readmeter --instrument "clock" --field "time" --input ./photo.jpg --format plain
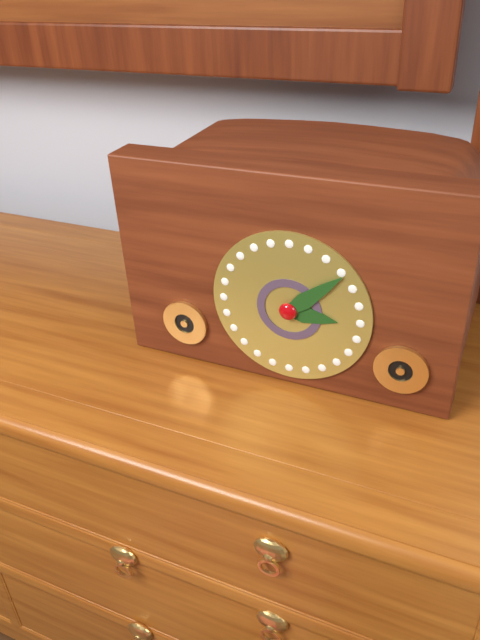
3:08
